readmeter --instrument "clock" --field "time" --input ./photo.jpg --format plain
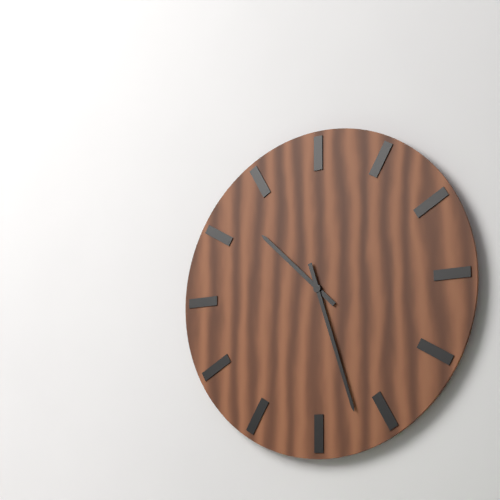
10:27
